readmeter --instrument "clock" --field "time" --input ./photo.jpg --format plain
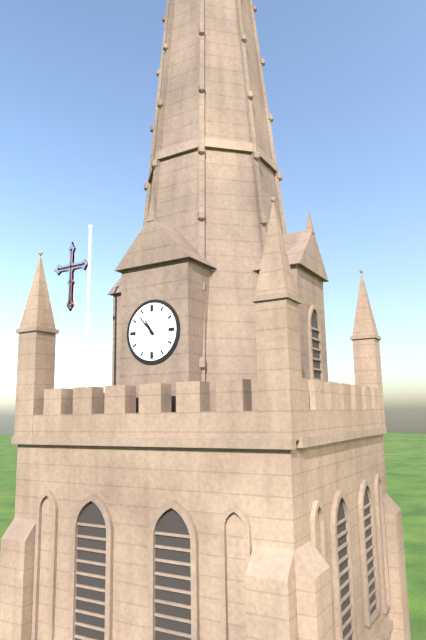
10:53
